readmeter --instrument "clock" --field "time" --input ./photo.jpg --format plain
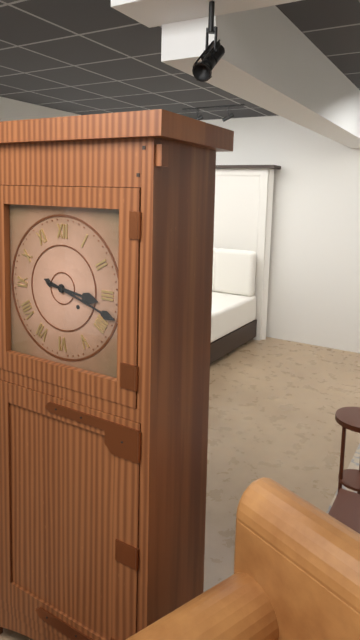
3:18
